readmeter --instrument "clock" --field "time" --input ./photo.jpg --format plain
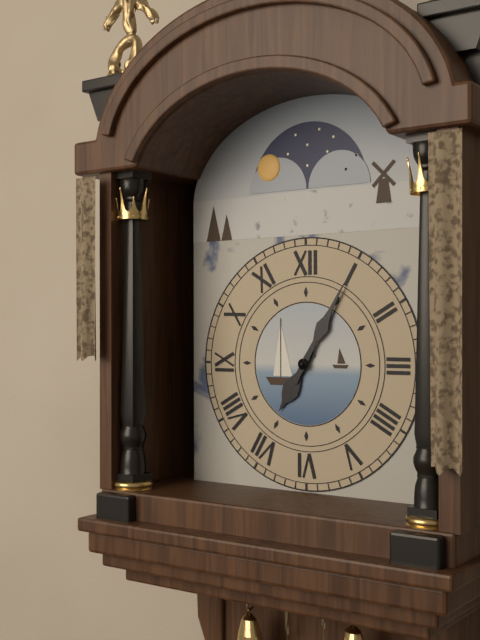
7:05
